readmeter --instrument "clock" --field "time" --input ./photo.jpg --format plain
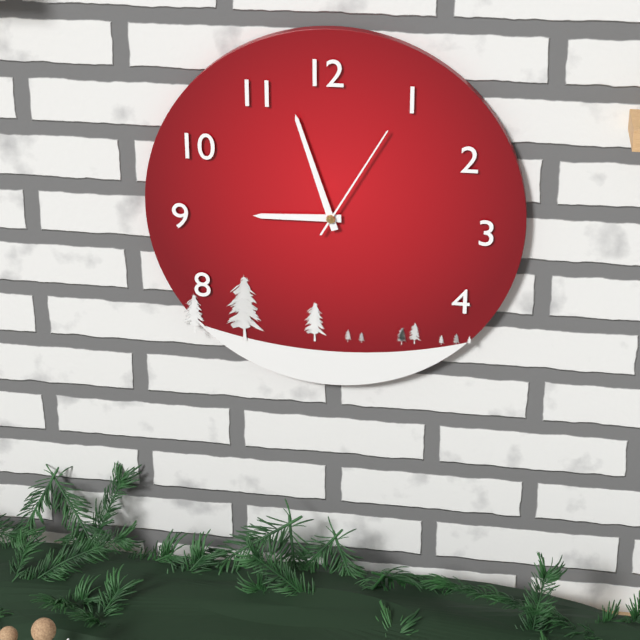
8:57:05
